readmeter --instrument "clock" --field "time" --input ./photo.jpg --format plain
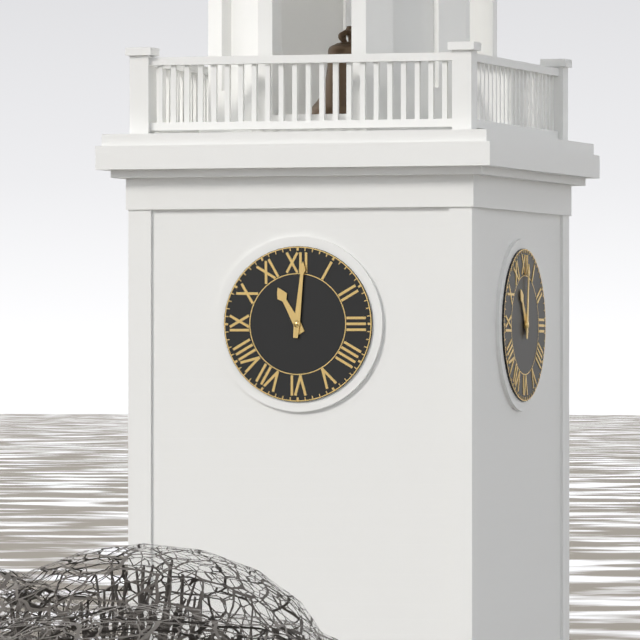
11:01
